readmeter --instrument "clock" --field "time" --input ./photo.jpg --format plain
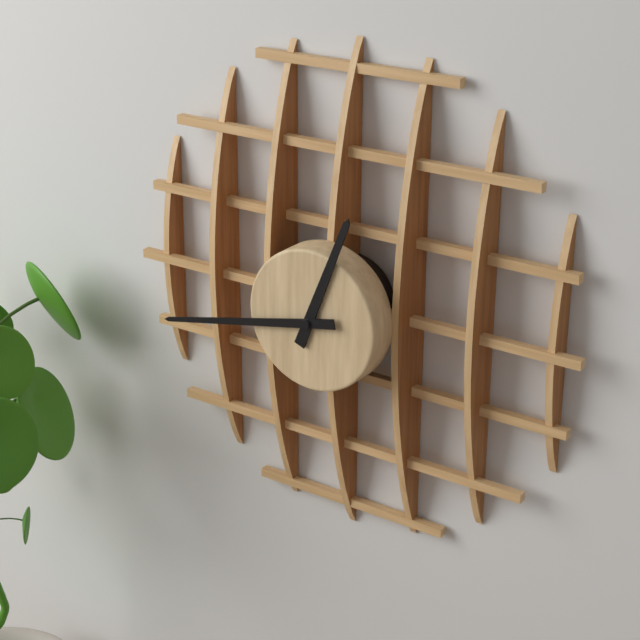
12:43
